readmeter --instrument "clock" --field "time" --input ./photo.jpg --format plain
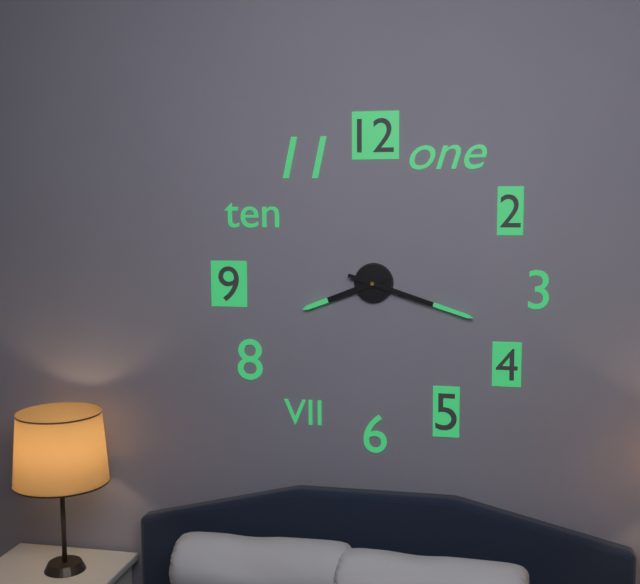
8:18
